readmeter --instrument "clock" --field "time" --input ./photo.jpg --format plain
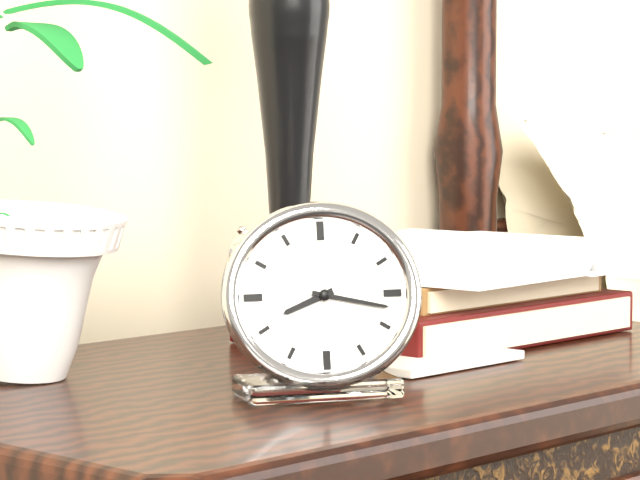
8:17
